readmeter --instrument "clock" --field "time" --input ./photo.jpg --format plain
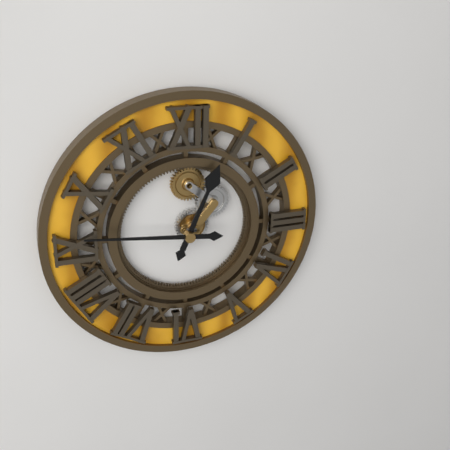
12:46
